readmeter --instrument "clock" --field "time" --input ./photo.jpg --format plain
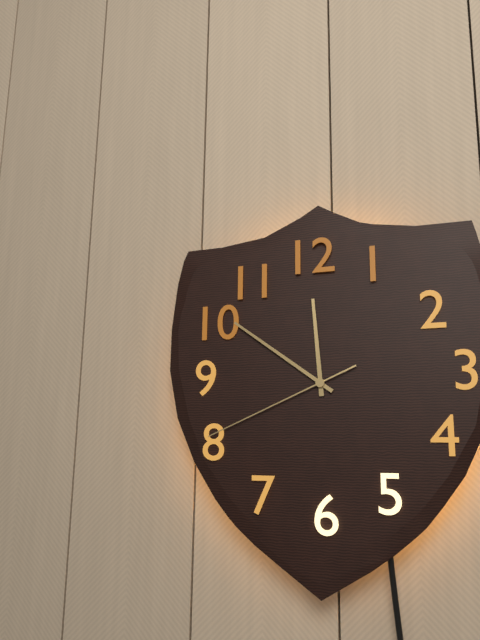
11:51:41
